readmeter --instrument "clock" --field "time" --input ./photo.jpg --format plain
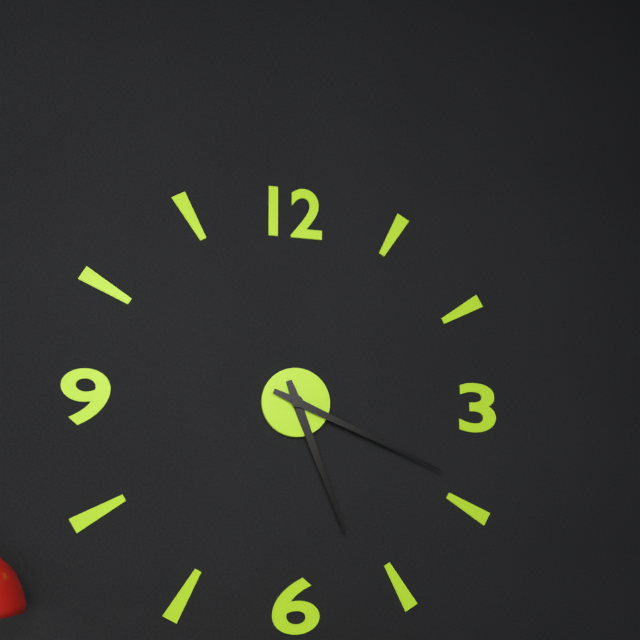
5:19
